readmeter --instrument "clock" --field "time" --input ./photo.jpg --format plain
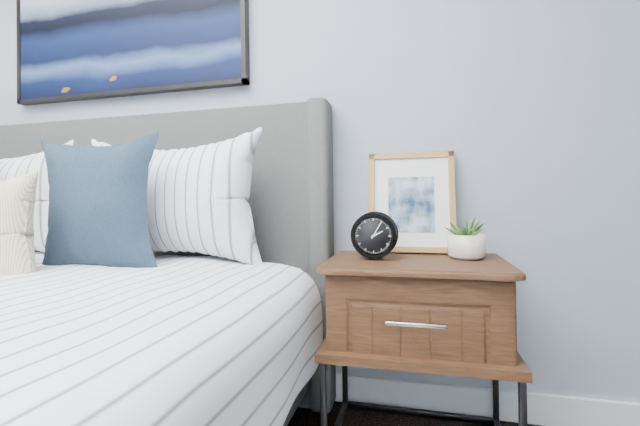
2:05
